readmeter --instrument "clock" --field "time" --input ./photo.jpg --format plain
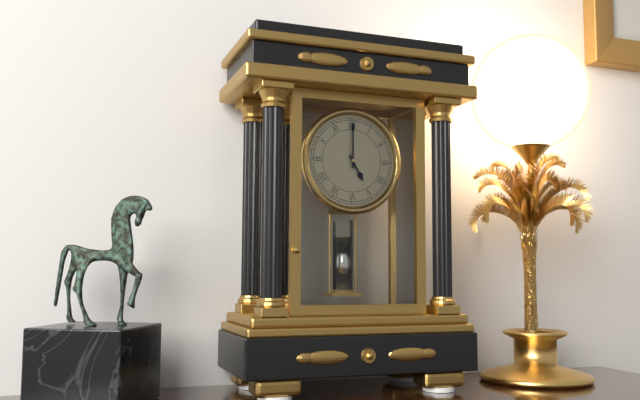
5:00
